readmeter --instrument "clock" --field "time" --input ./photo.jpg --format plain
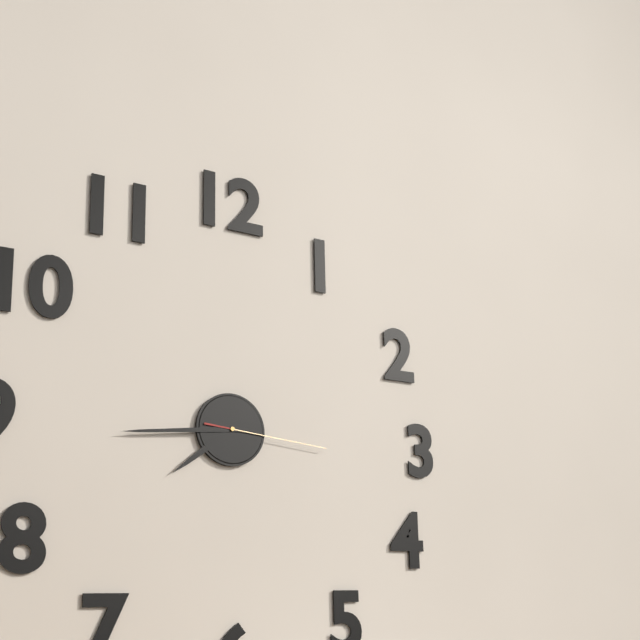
7:44:16
